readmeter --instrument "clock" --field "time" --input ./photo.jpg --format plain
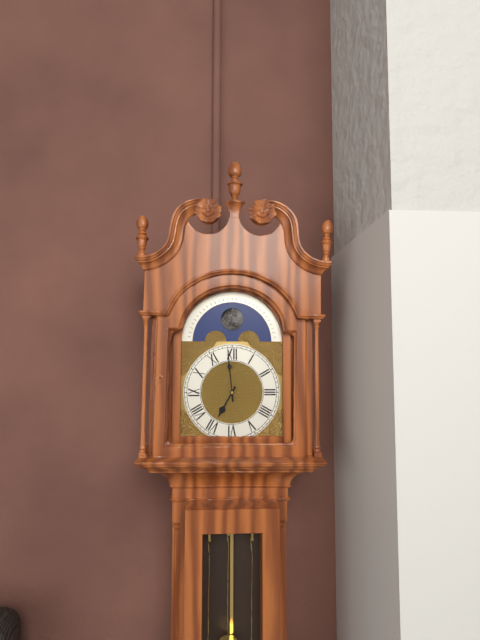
6:59
